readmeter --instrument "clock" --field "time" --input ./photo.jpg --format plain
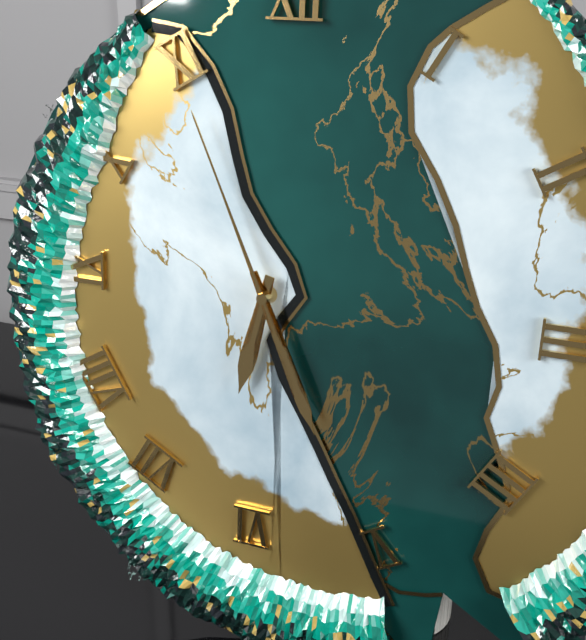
6:26:56
